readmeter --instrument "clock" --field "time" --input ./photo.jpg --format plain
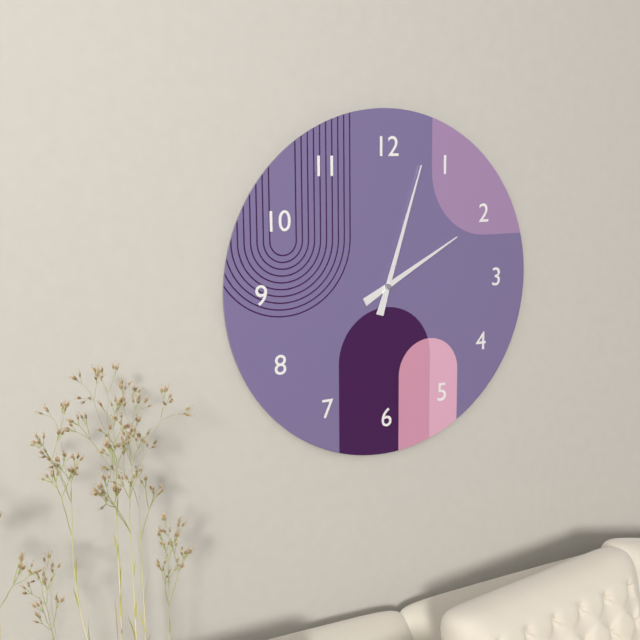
2:03
